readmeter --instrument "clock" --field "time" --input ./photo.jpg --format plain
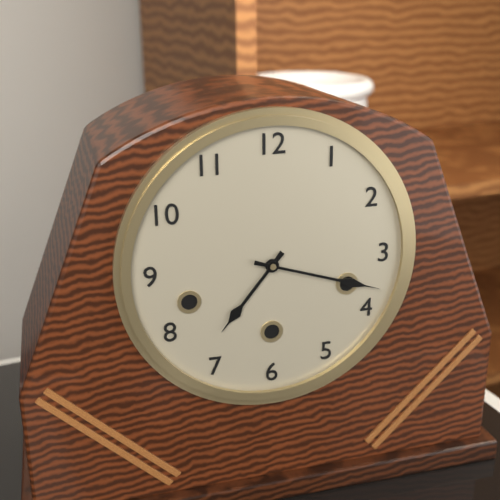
7:18
